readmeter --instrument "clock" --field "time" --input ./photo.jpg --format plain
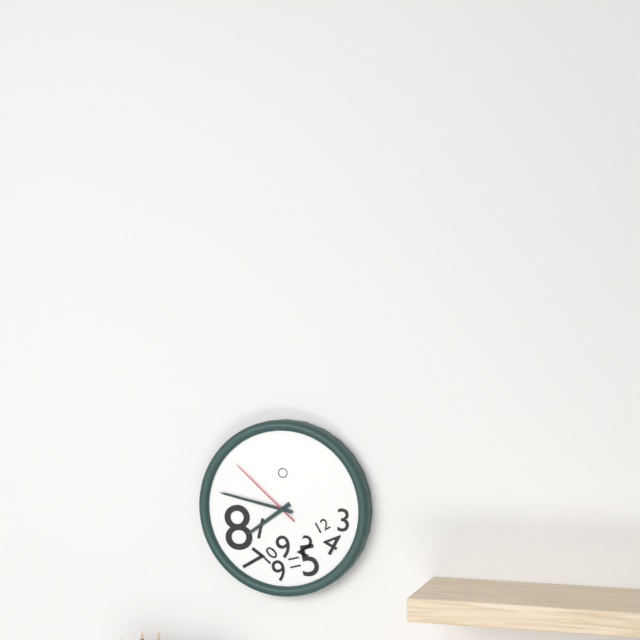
7:47:52
